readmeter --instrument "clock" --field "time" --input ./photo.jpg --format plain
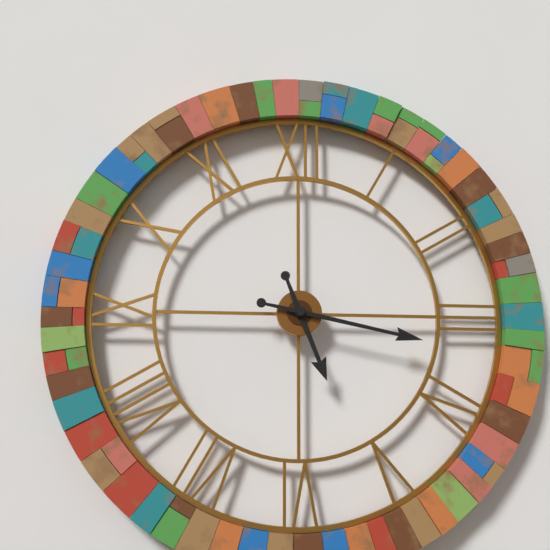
5:17
